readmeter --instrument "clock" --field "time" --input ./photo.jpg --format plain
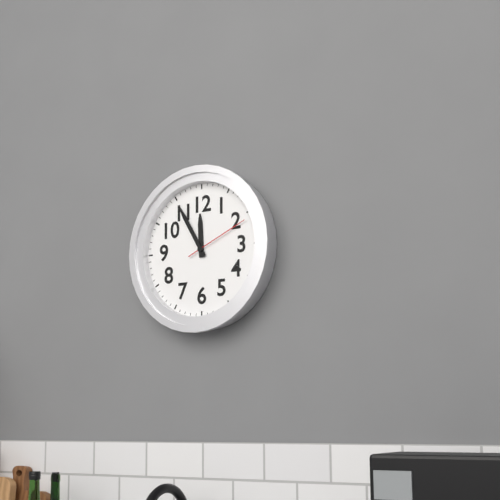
11:55:11
